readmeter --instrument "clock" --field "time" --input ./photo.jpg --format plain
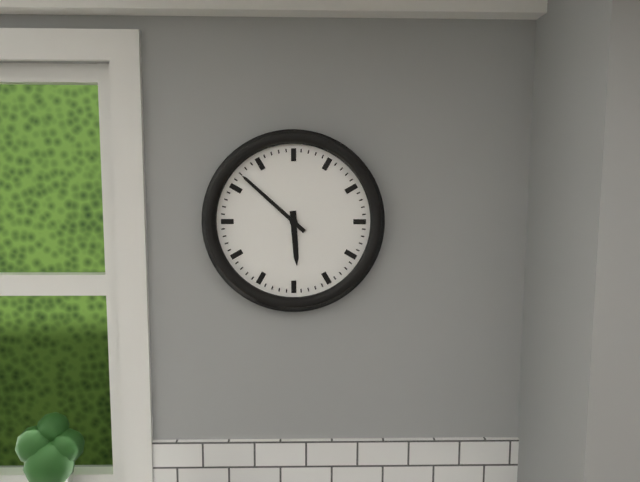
5:52
